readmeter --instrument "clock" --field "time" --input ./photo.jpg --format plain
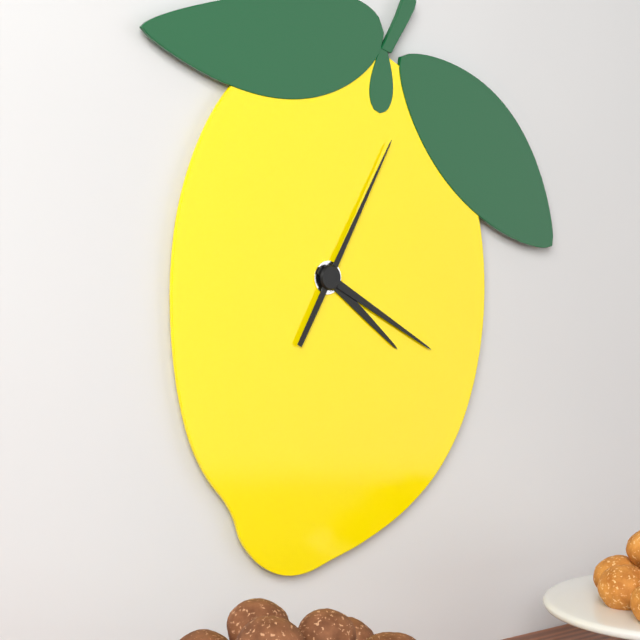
4:20:05
